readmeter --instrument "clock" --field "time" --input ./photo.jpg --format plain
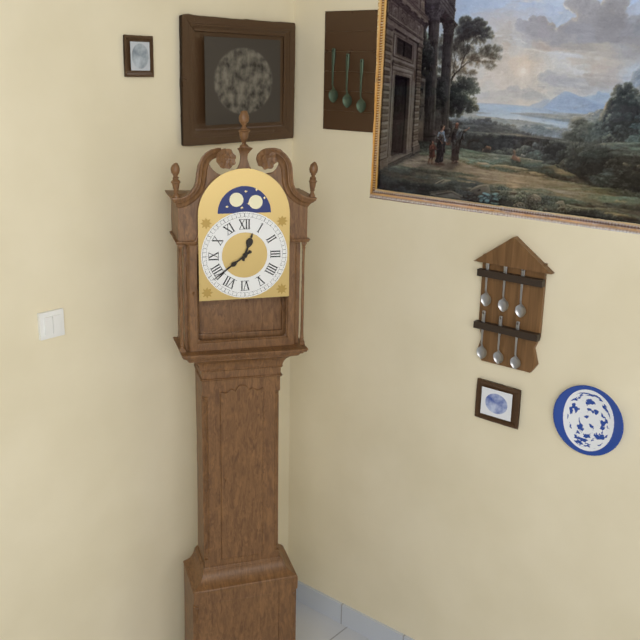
12:39
